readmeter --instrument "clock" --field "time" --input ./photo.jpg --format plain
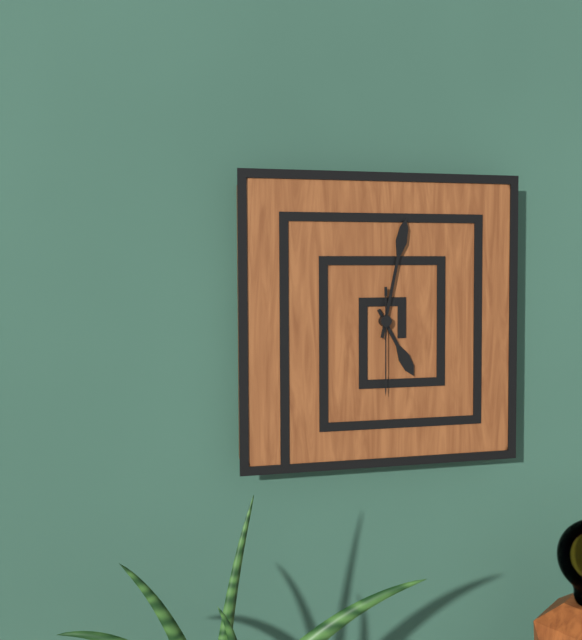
5:02:30
